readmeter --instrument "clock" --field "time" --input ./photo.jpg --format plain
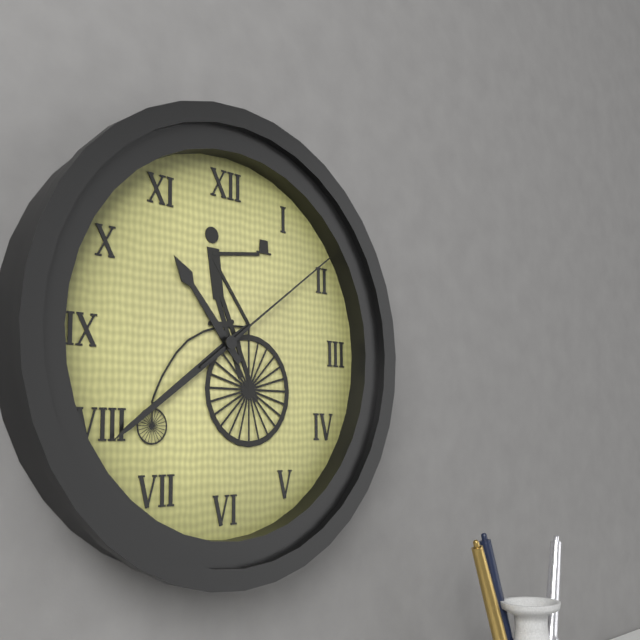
10:39:09
